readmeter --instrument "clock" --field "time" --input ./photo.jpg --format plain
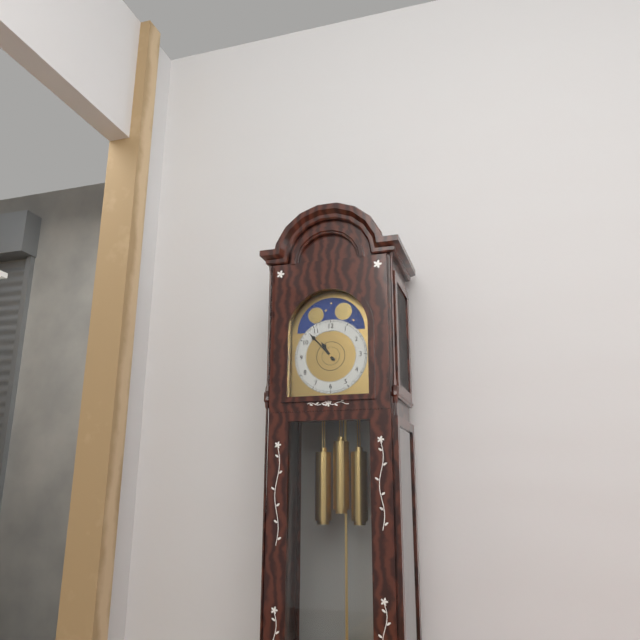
10:53
